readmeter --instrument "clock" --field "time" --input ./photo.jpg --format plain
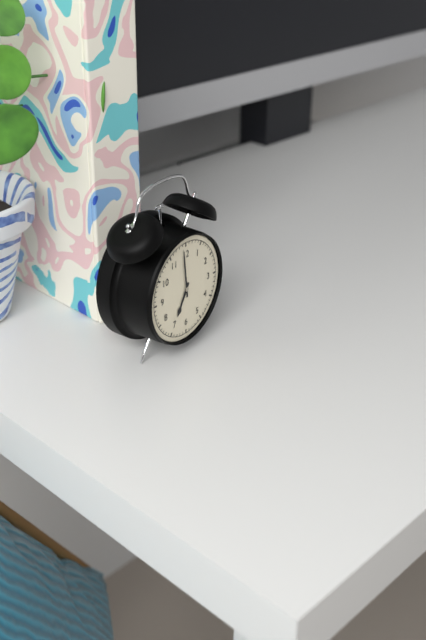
6:59
